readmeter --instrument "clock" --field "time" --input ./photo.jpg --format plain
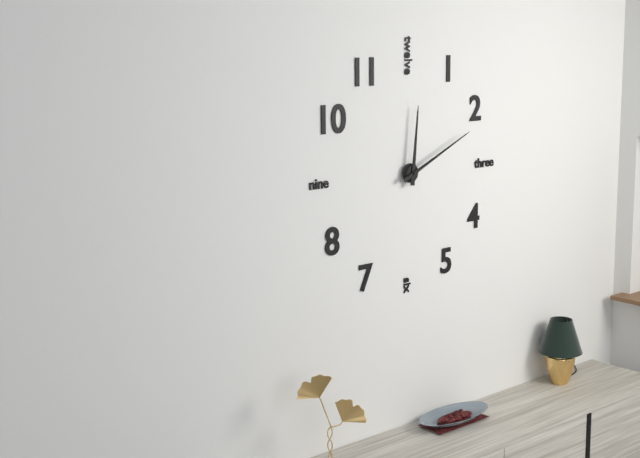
12:11
